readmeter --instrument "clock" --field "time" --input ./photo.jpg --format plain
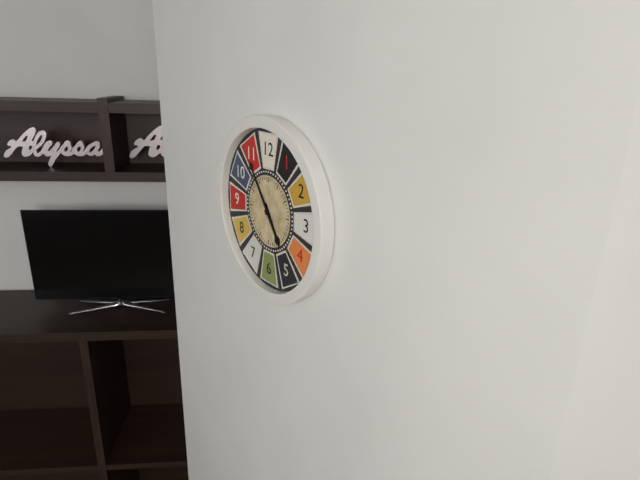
4:54
